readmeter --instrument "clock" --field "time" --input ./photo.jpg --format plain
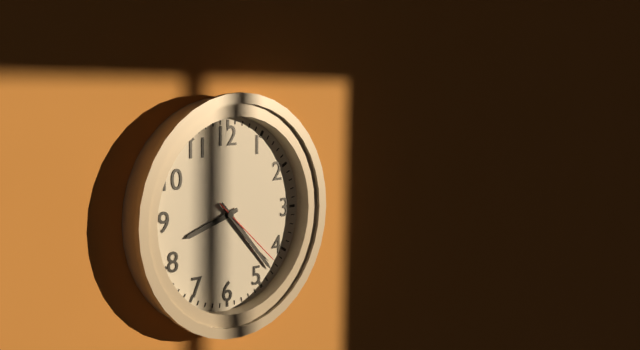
8:23:22
